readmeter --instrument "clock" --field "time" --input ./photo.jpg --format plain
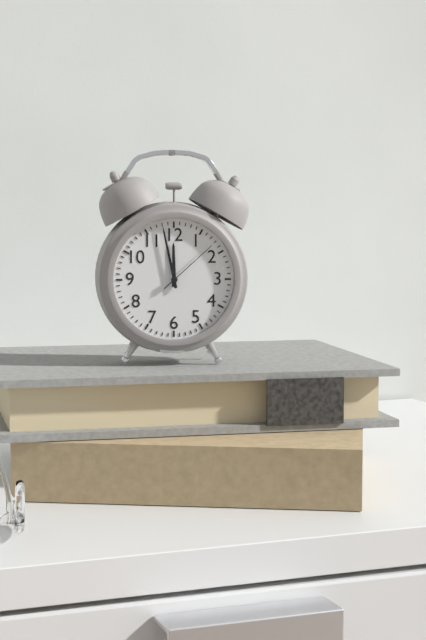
11:58:08
